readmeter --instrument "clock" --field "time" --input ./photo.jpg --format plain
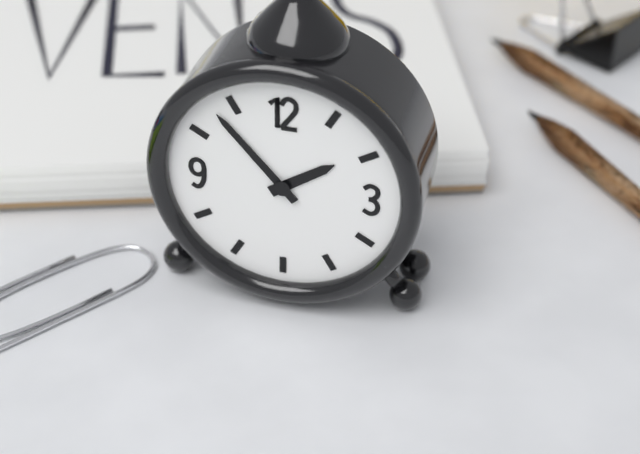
1:53
